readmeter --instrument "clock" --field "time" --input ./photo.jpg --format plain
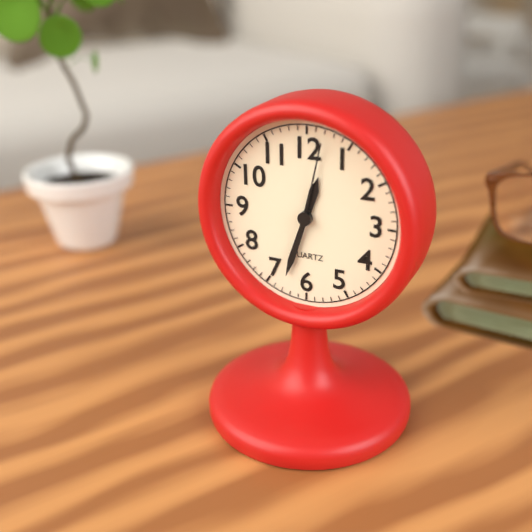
12:33:02
